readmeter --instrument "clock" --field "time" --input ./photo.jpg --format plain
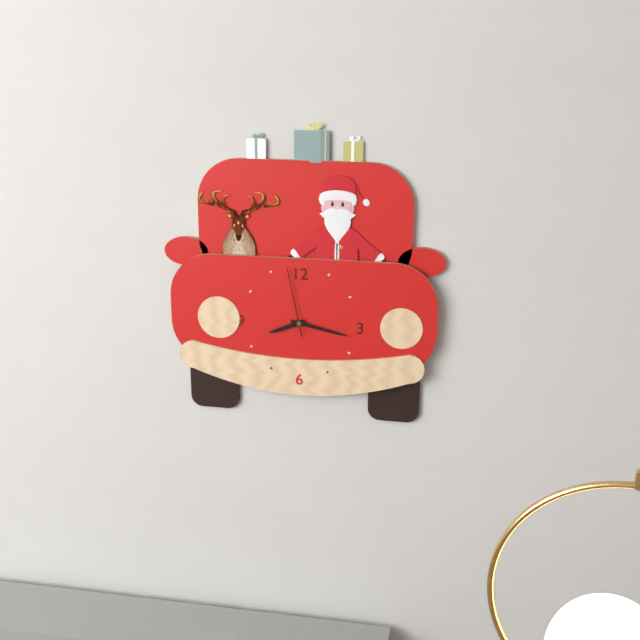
8:17:58
